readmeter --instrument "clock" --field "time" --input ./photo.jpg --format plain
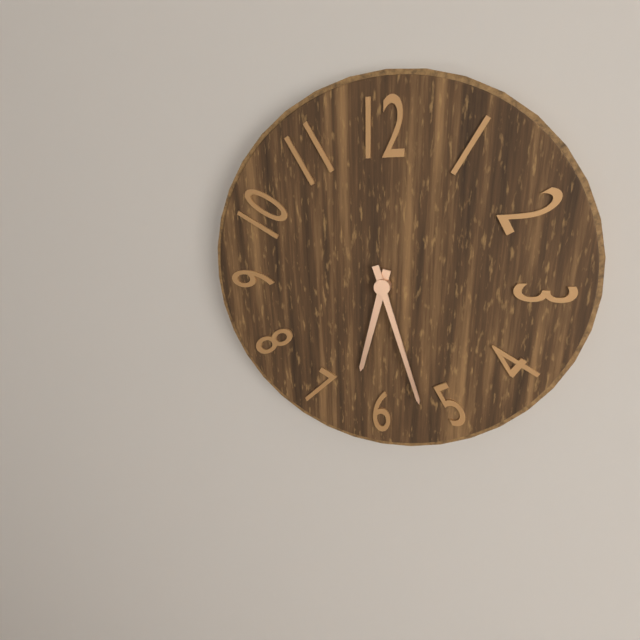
6:27
